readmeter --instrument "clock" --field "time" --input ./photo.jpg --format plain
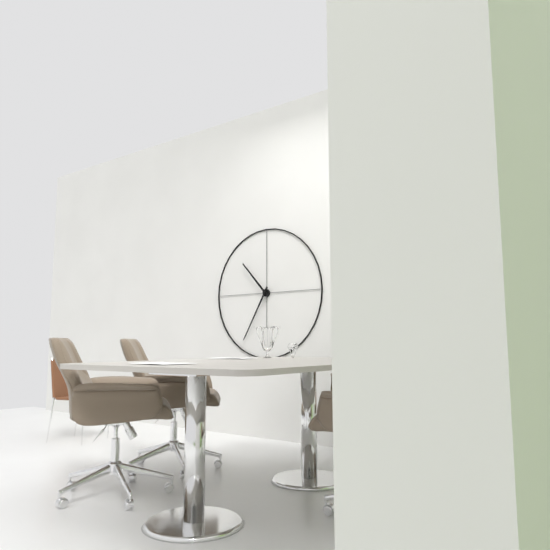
10:35
